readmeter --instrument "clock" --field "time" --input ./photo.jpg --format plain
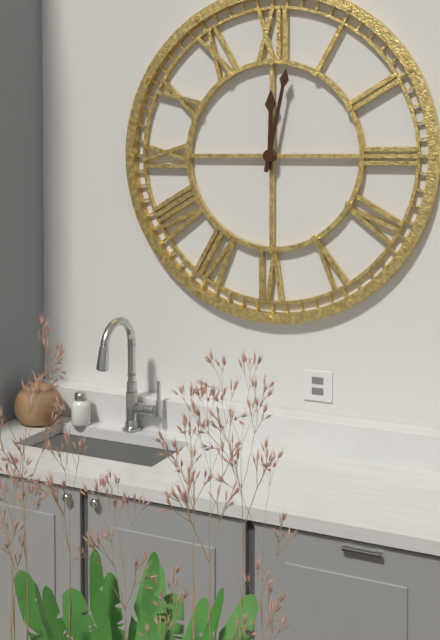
12:02
